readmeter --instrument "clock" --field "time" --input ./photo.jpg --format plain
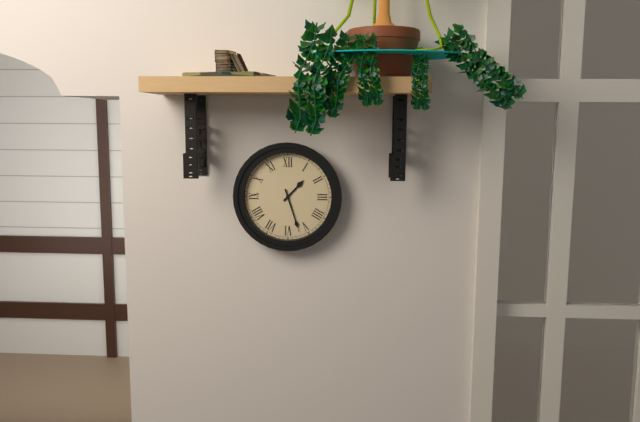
1:27
